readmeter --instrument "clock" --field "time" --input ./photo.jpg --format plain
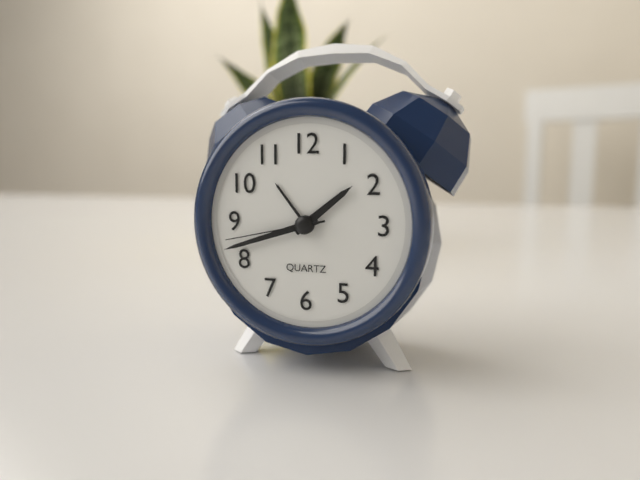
1:42:43
